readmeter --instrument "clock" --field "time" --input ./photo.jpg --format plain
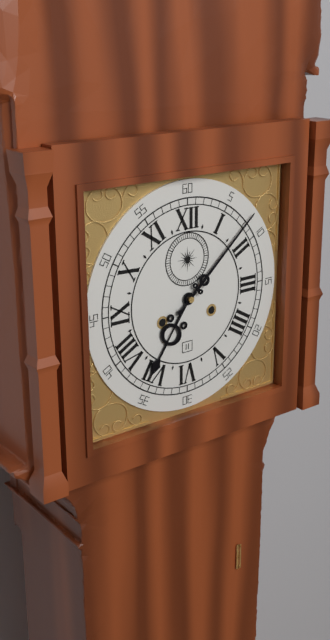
7:08
